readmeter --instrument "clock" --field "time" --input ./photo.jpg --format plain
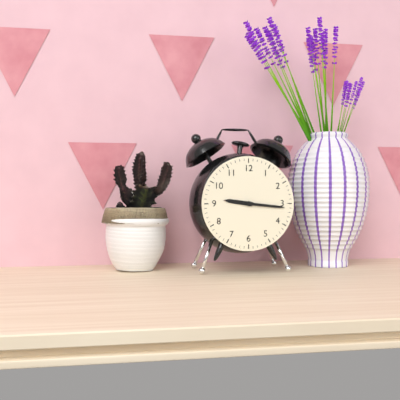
9:16
